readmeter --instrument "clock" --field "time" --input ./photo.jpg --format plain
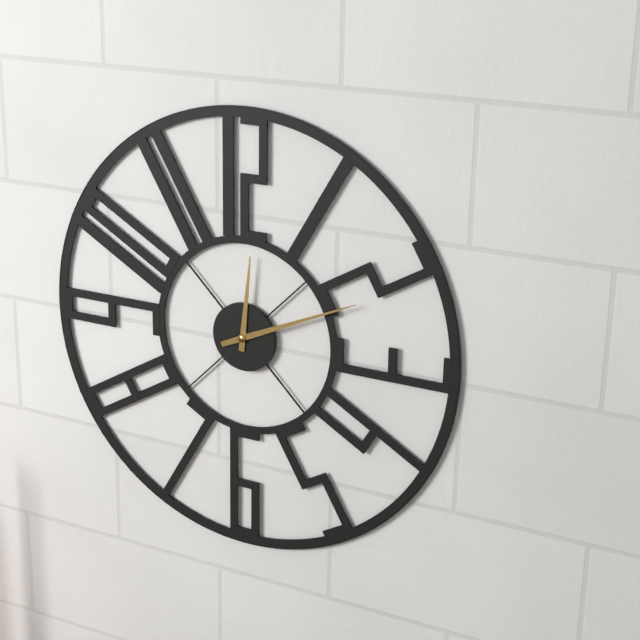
12:11
